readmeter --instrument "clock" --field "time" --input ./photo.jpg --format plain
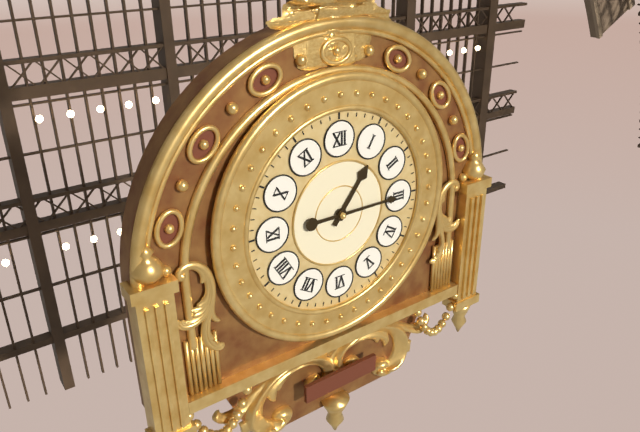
1:15
